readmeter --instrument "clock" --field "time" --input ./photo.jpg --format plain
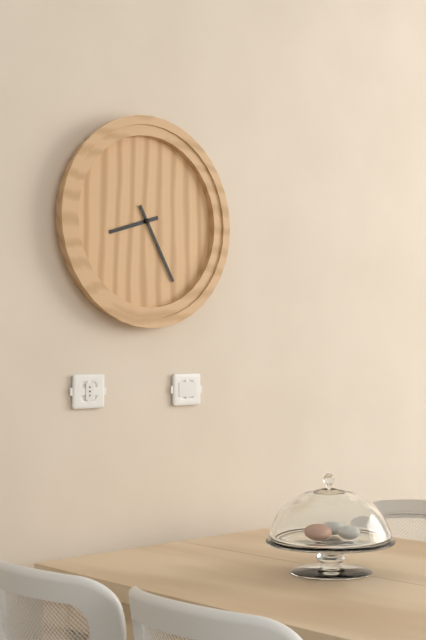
8:25
